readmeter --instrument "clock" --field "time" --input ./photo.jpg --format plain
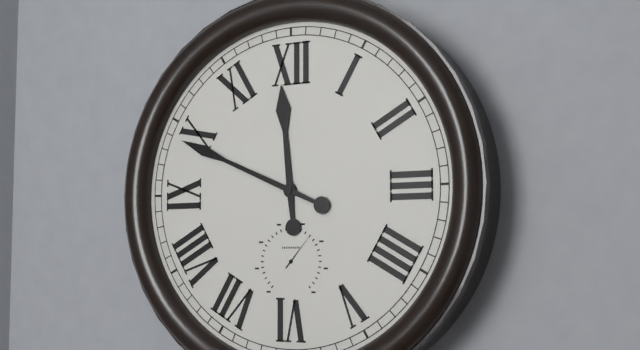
11:49
